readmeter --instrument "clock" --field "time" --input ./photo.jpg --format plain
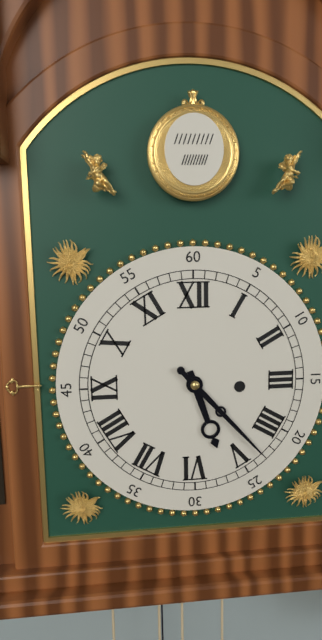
5:23
